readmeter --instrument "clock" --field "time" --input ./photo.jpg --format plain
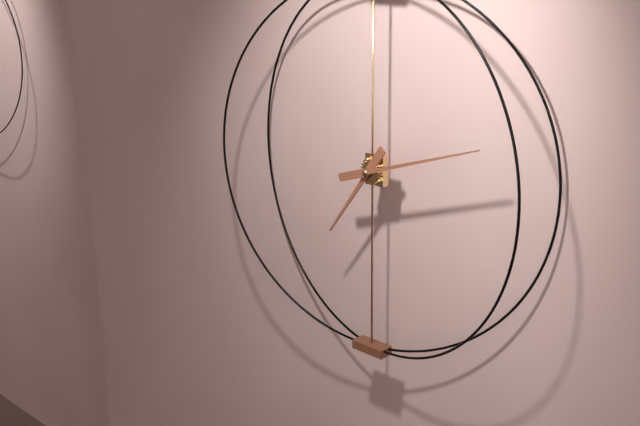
7:12
